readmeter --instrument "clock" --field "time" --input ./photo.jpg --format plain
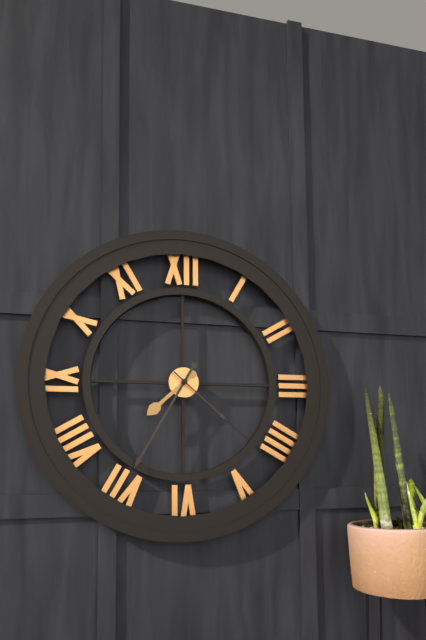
7:35:22
